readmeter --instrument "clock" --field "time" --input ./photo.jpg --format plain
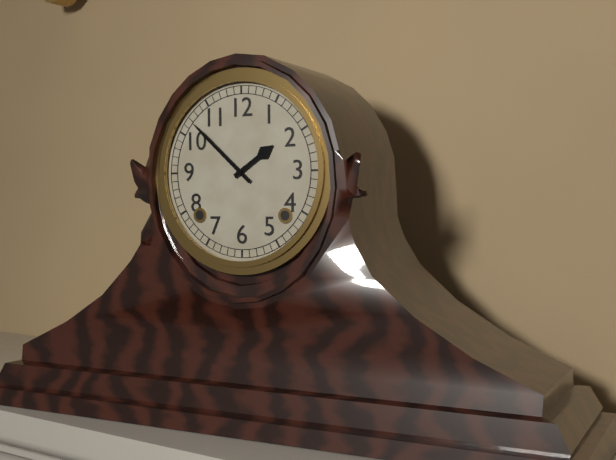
1:52
